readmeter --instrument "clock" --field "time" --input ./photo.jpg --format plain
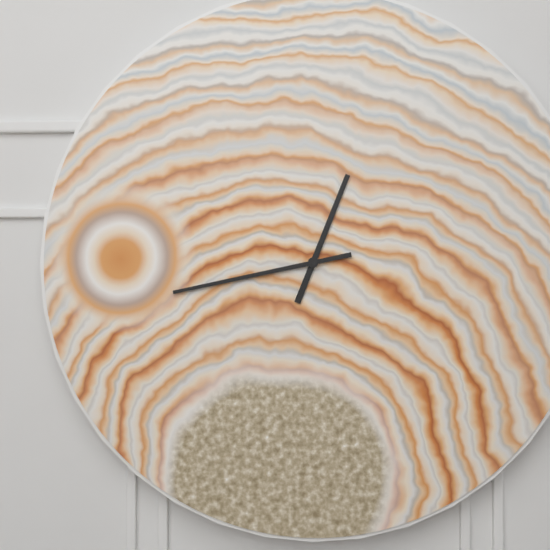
12:43
